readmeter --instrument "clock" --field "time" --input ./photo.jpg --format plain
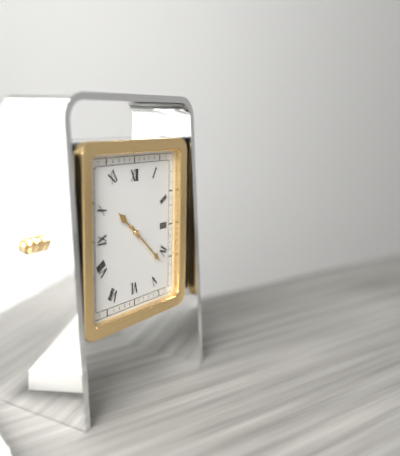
10:22
